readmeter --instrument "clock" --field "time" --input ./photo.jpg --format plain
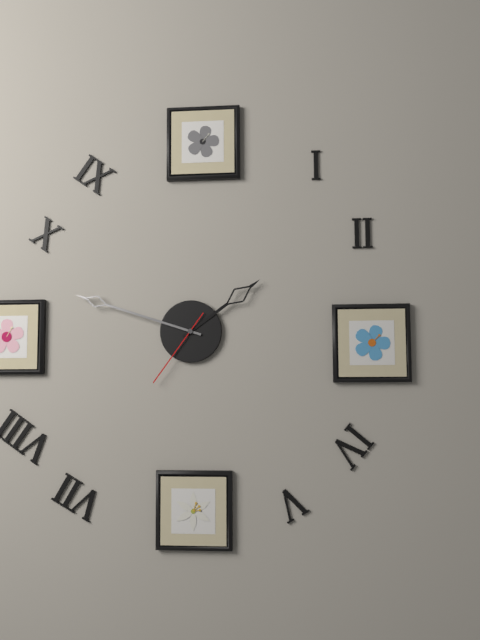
1:48:36
